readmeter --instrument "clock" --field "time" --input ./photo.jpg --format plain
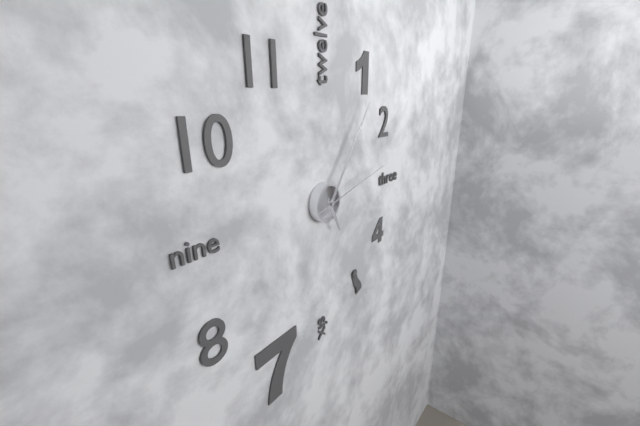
5:06:13
